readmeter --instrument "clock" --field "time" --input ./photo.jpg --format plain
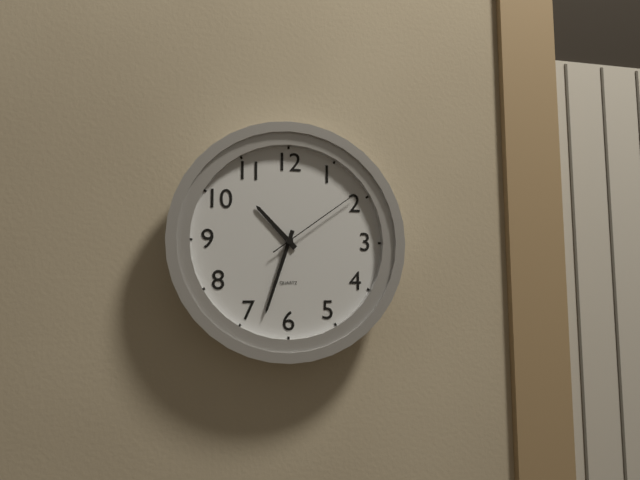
10:33:09
